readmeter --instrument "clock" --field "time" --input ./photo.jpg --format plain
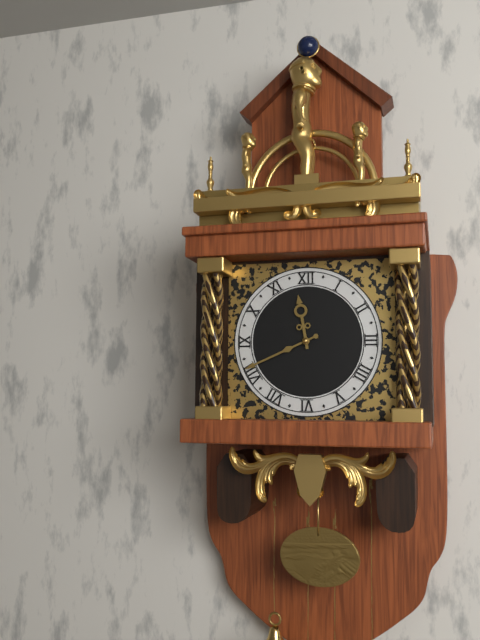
11:41
